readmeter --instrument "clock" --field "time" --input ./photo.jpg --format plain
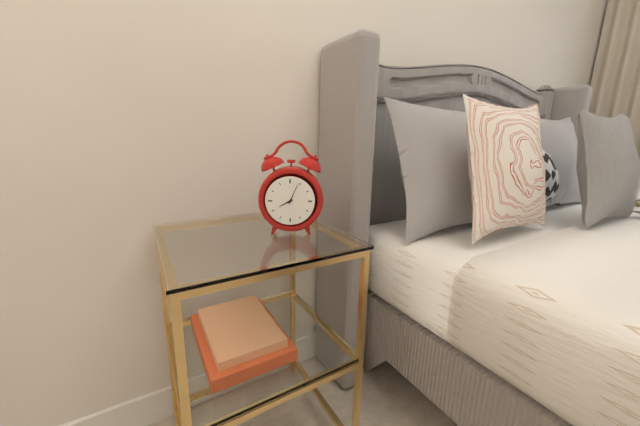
8:04
